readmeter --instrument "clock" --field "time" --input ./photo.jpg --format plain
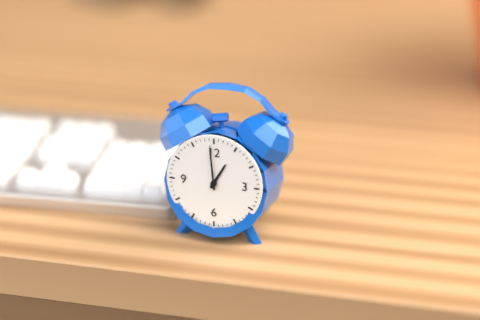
12:59
